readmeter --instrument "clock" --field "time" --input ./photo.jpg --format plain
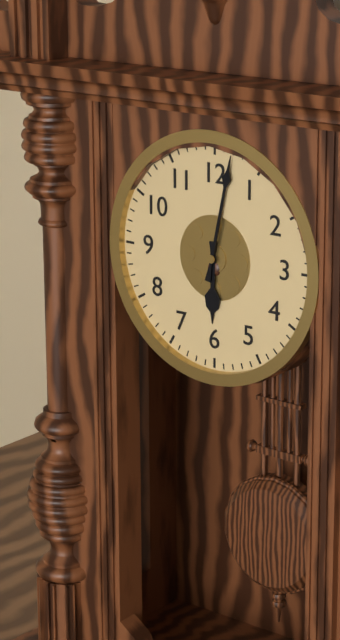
6:02
